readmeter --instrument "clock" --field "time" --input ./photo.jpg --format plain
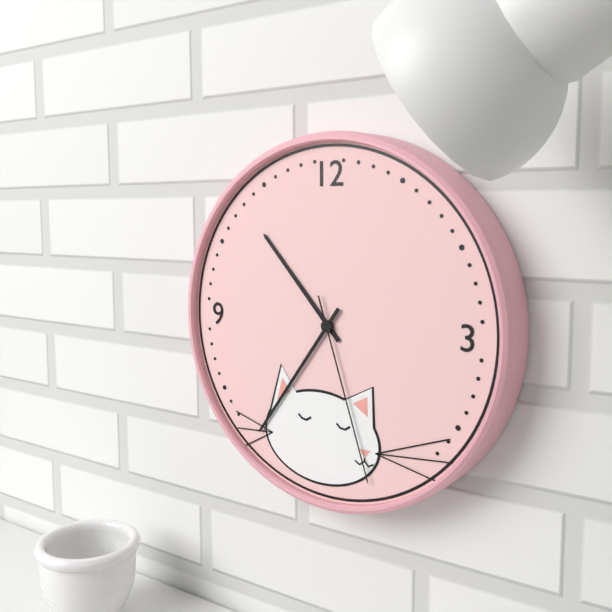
10:36:27
